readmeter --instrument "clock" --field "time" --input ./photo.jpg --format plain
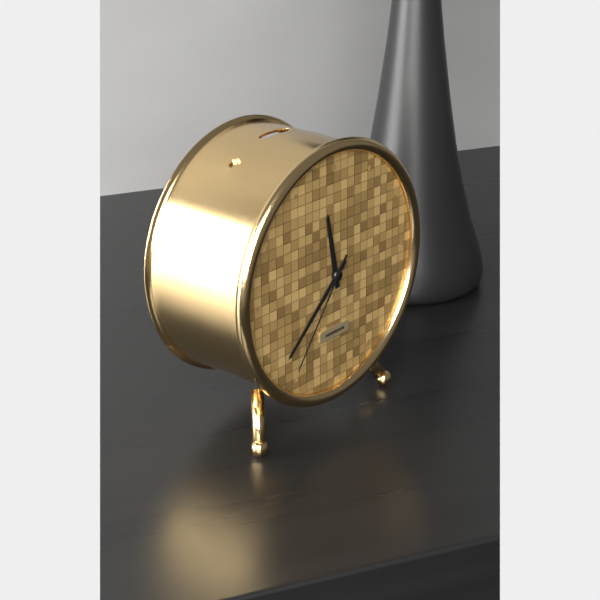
11:38:36
